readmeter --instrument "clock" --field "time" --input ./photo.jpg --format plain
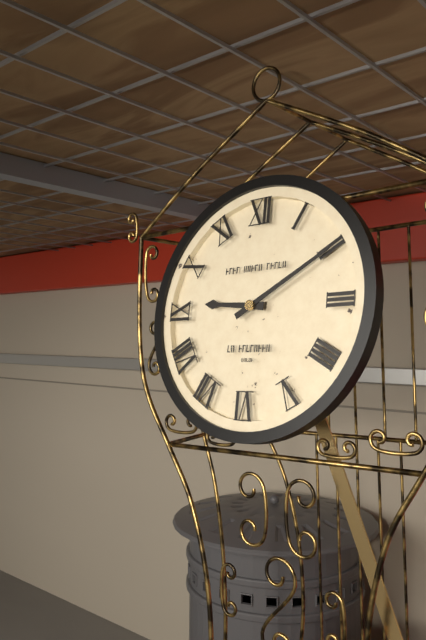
9:10
